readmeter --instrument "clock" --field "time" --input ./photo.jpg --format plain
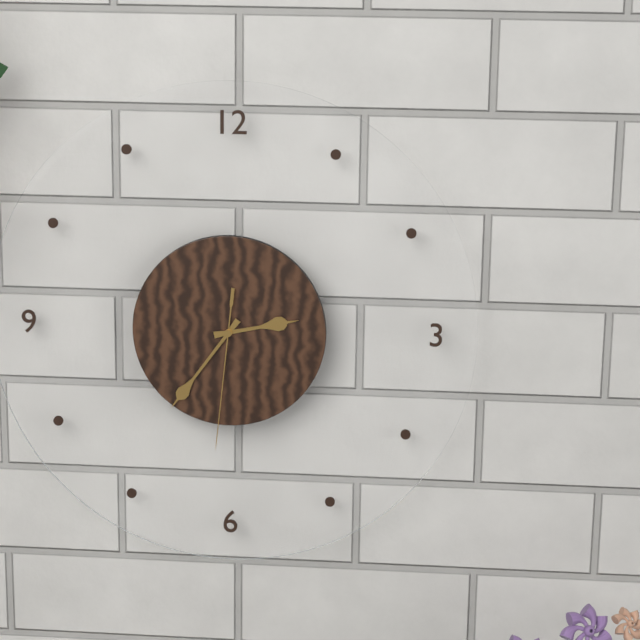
2:36:31
